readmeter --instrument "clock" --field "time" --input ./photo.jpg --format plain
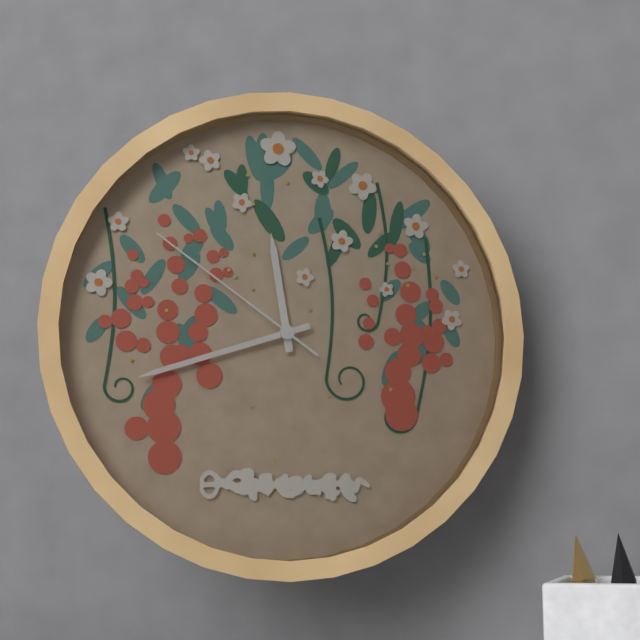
11:42:51
